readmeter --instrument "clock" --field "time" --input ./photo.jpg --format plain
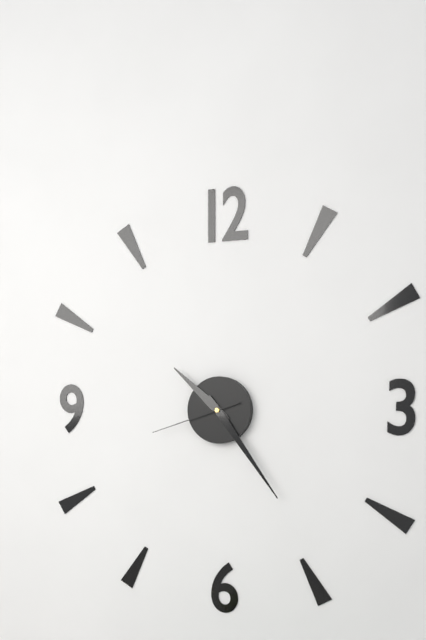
10:24:42
